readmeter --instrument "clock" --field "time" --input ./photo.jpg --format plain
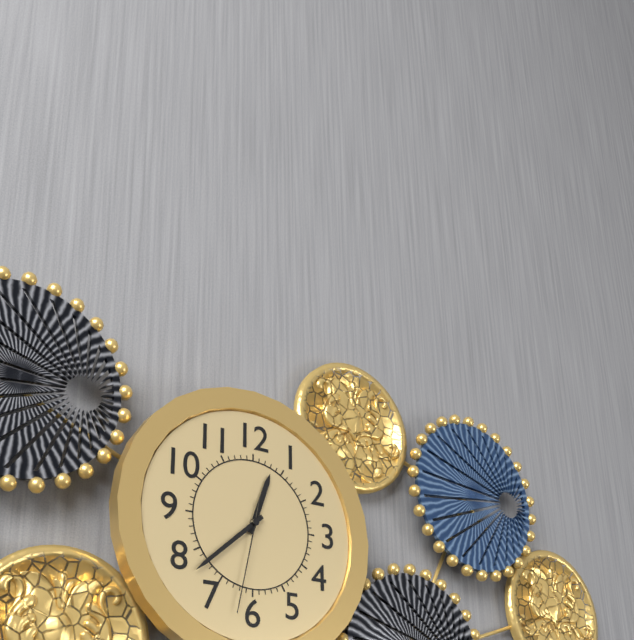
12:38:32
